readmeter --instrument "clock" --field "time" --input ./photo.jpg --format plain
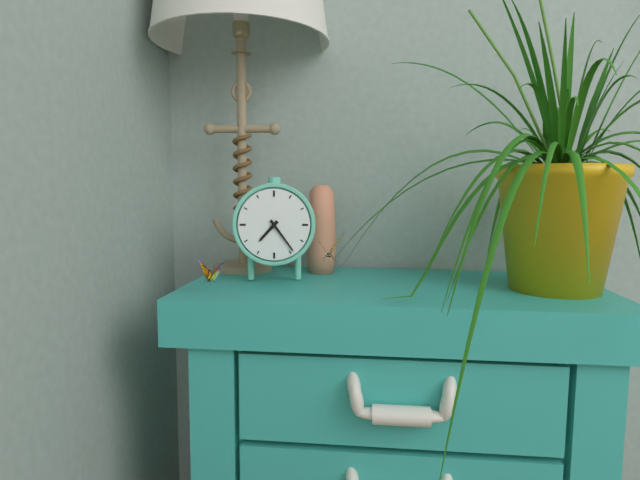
7:24
